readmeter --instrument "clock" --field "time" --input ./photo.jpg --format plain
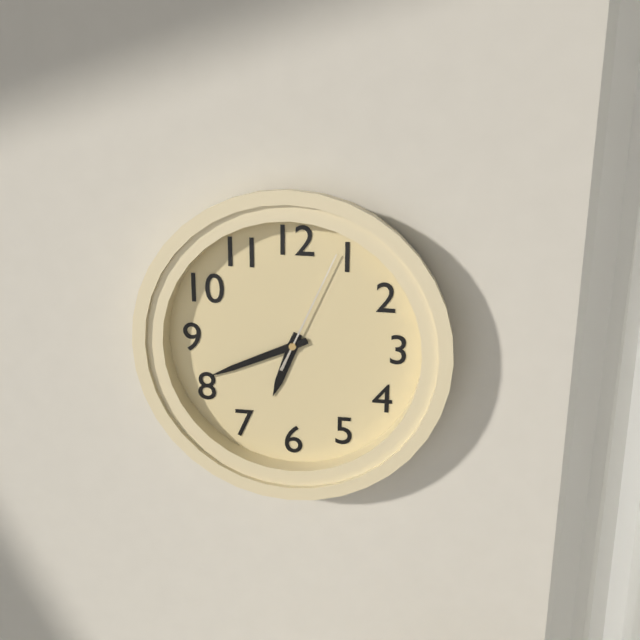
6:41:04
